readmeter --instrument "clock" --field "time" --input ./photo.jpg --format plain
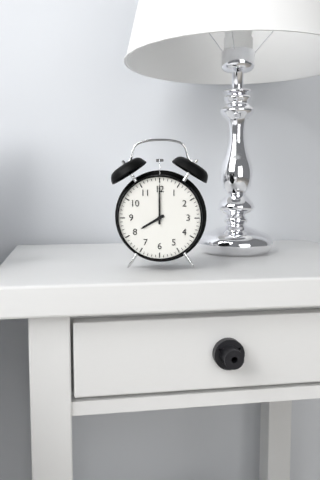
8:00
